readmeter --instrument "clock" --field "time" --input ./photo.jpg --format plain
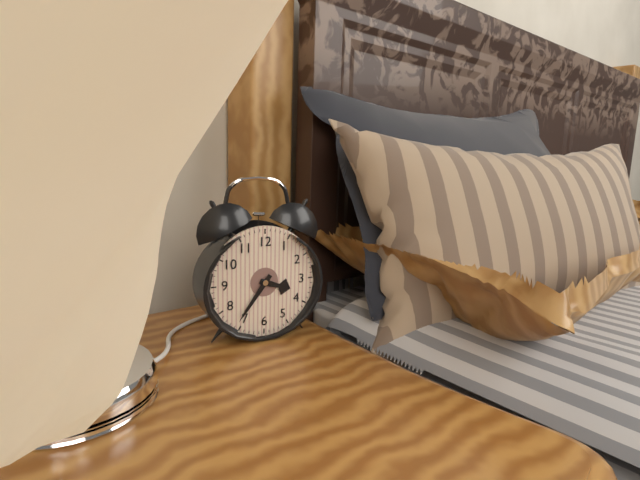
3:36
